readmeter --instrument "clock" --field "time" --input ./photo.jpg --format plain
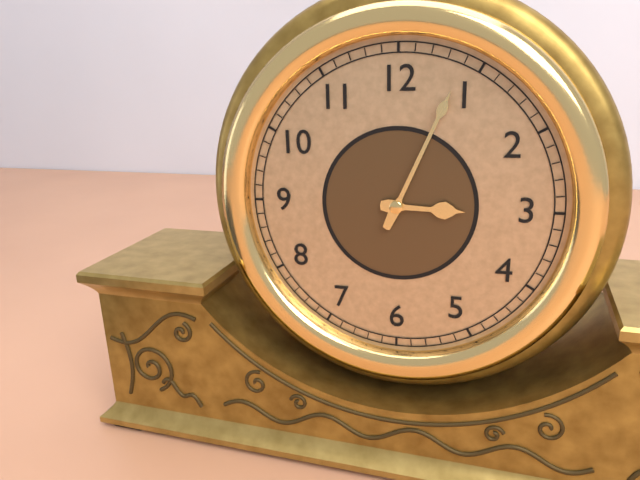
3:04
